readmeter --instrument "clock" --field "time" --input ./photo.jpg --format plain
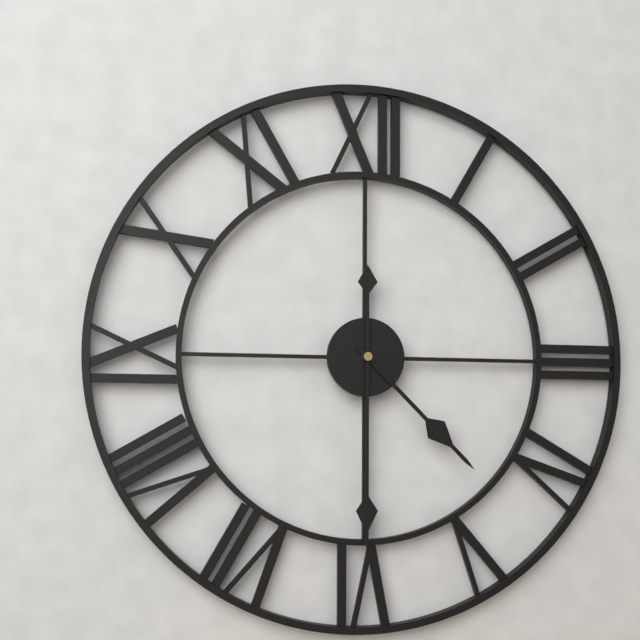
4:30
